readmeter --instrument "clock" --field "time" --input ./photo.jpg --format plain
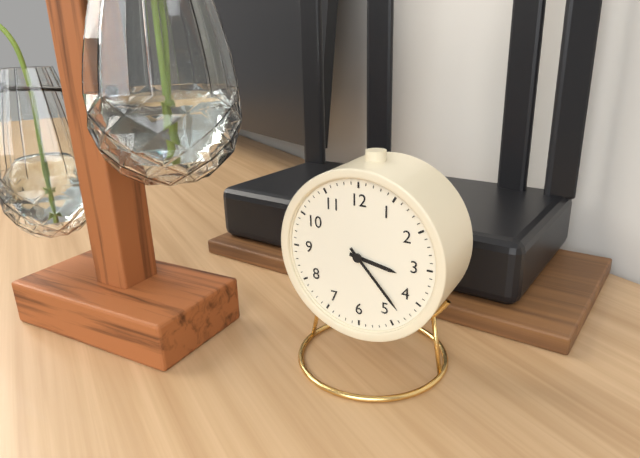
3:23
